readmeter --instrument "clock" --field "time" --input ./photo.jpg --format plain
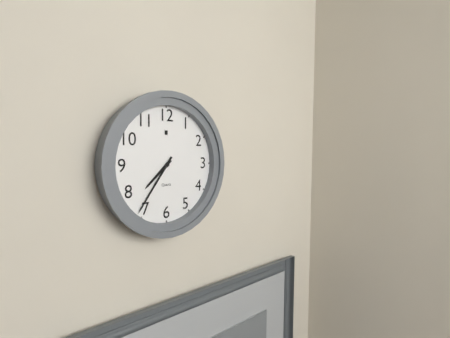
7:36
